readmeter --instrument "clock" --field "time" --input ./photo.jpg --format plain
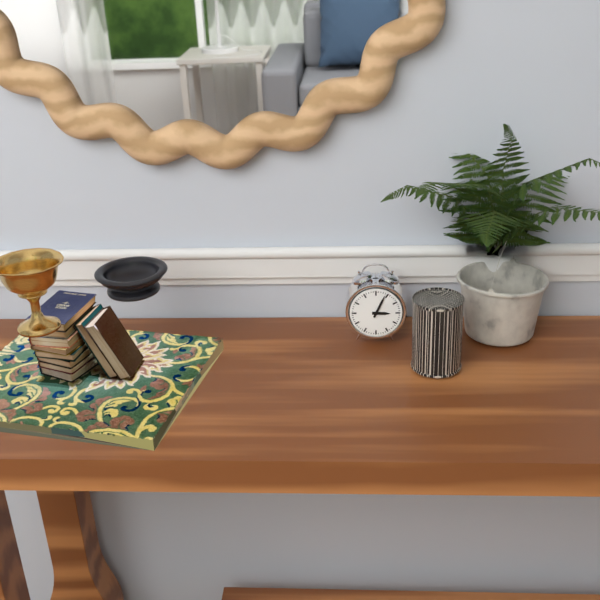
3:04
